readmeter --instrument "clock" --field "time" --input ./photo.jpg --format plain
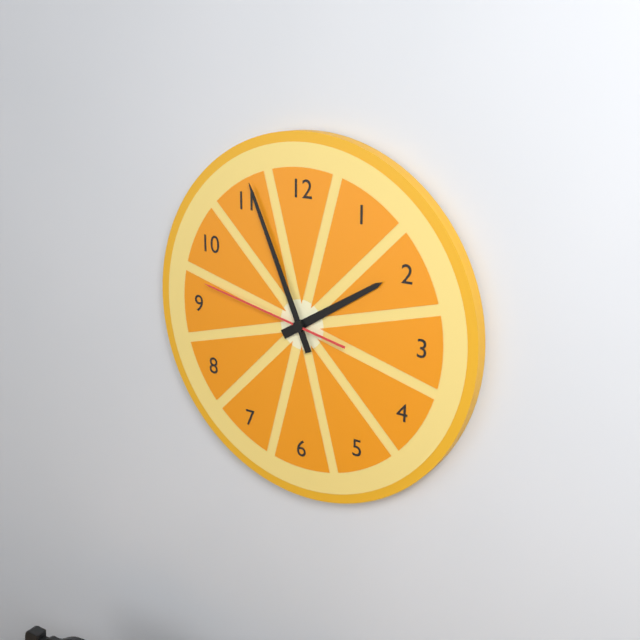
1:56:47
